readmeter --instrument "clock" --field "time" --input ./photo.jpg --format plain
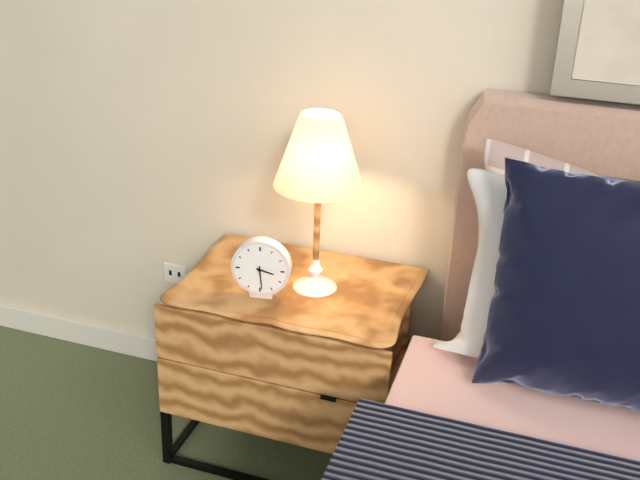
3:29
